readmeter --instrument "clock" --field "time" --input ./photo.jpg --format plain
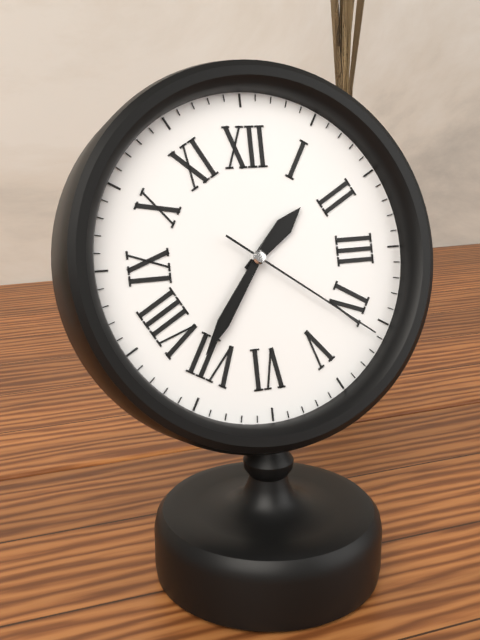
1:36:21
